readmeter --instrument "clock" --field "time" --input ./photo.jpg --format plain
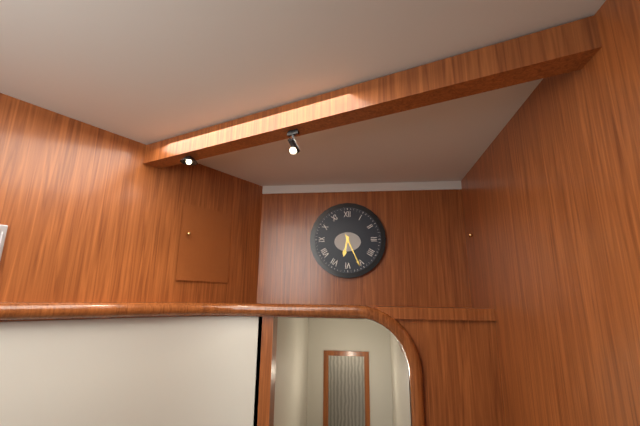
6:26
